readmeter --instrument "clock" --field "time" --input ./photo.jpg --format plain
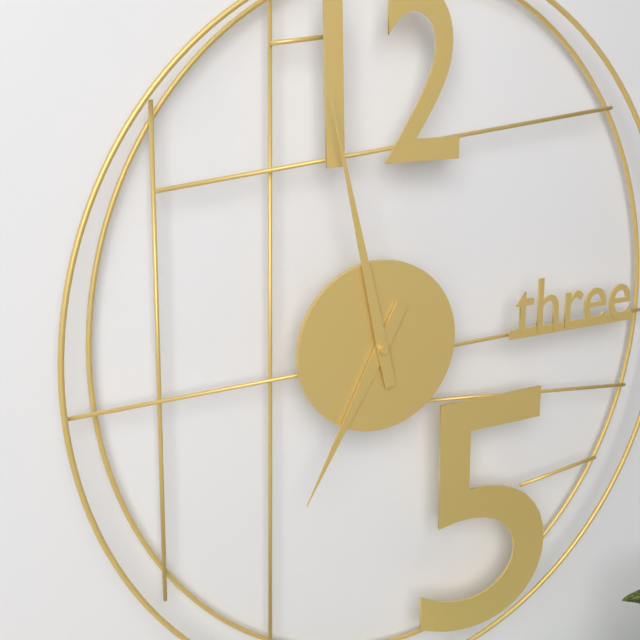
6:58
